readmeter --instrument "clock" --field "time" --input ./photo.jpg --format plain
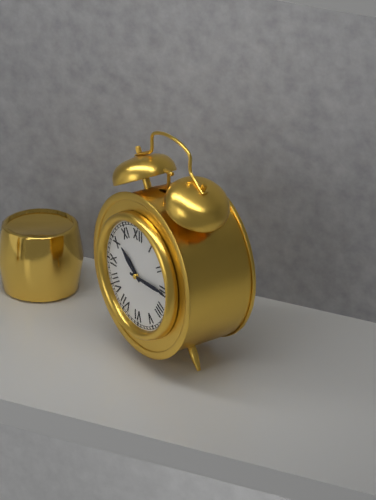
10:15
